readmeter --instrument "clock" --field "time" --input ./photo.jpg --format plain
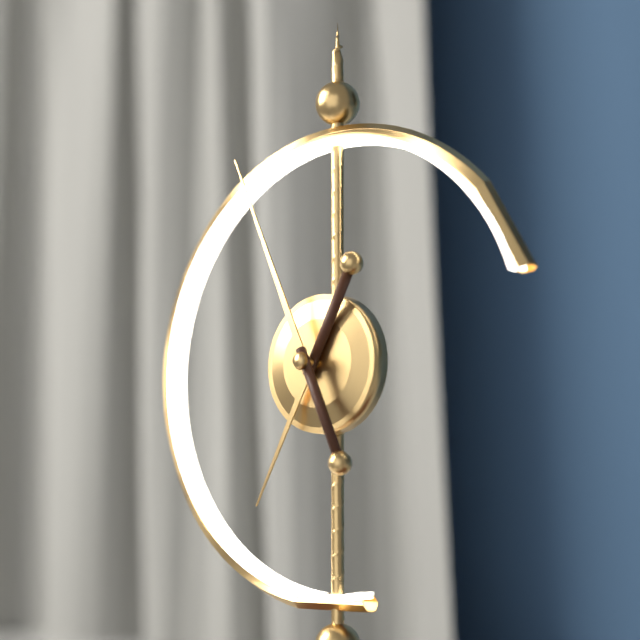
6:56
